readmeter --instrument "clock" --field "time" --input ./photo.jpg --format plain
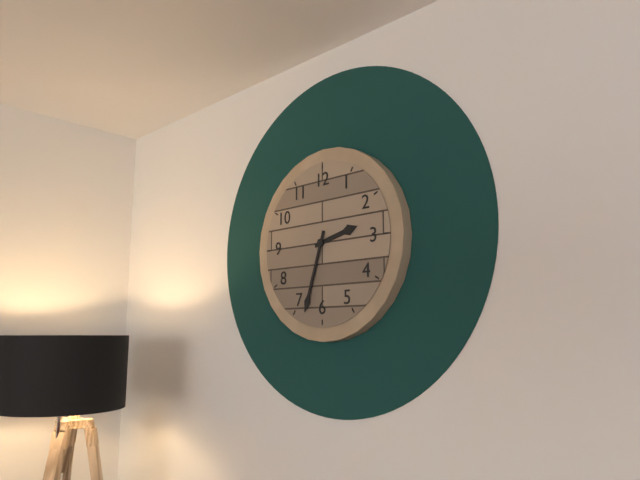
2:33
